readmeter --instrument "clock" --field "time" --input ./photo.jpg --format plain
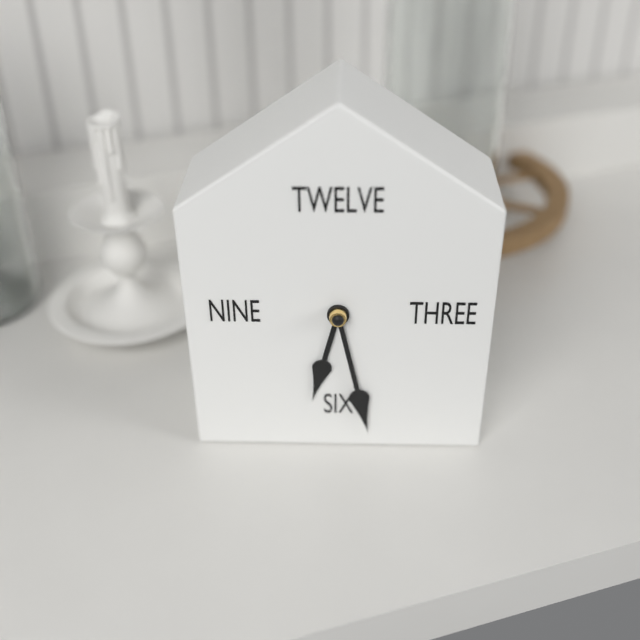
6:28
